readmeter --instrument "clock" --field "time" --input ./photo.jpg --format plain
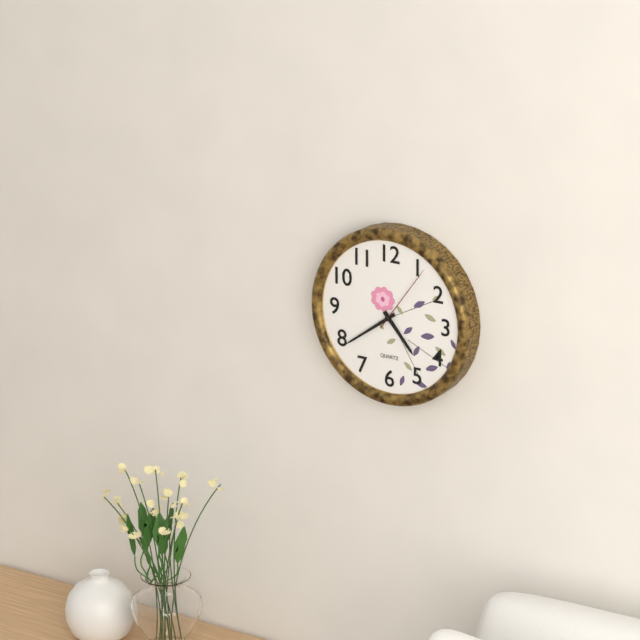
4:39:06
